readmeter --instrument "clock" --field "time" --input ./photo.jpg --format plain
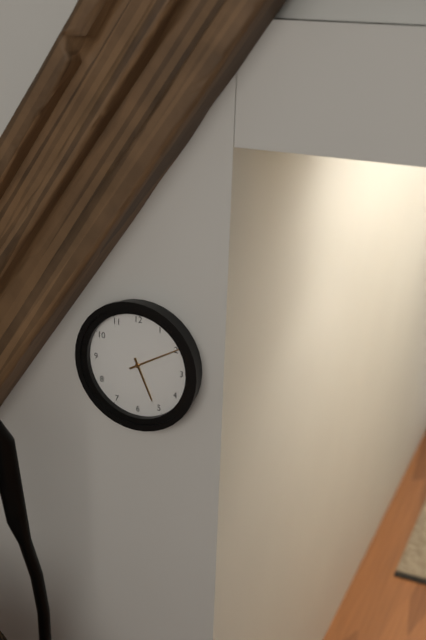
5:10
